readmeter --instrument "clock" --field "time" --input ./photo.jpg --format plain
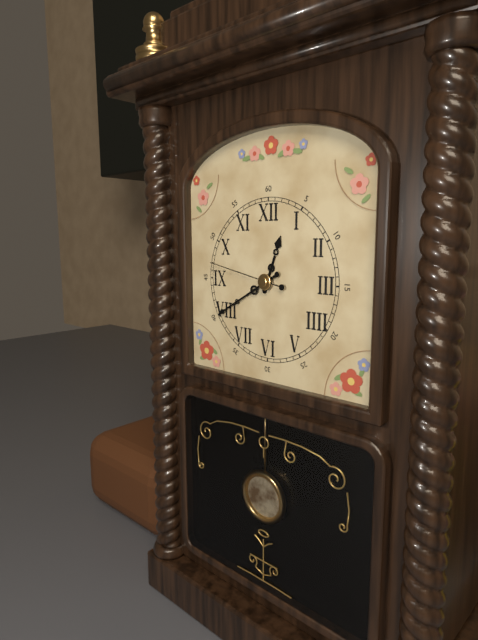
12:40:47
